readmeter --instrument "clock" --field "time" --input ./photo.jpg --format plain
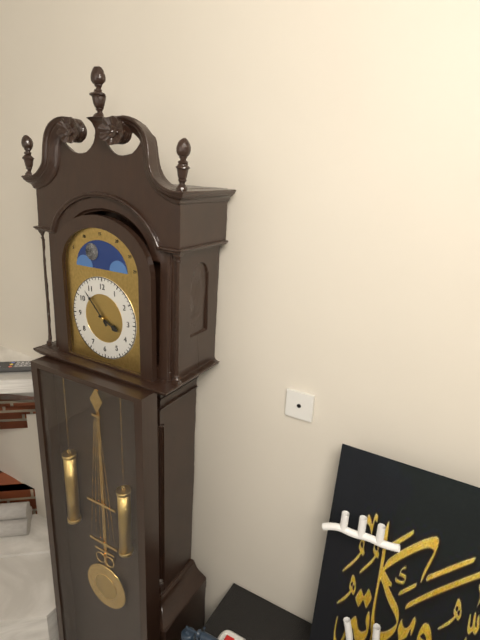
3:53
